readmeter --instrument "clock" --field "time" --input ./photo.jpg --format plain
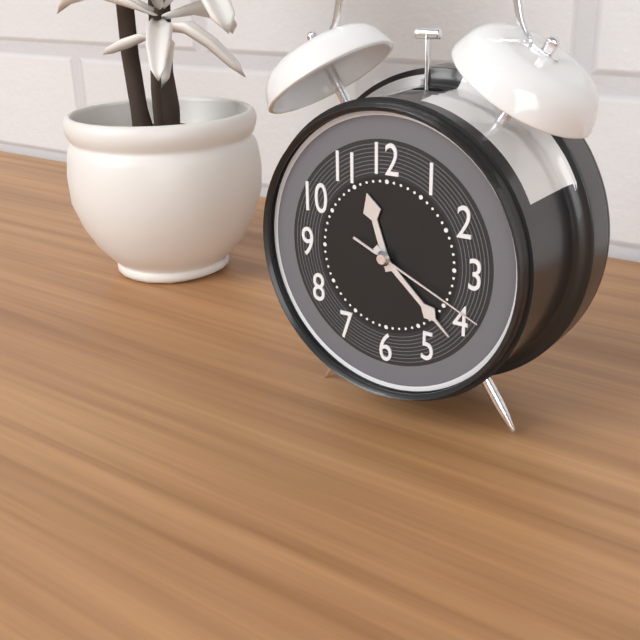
11:22:19
